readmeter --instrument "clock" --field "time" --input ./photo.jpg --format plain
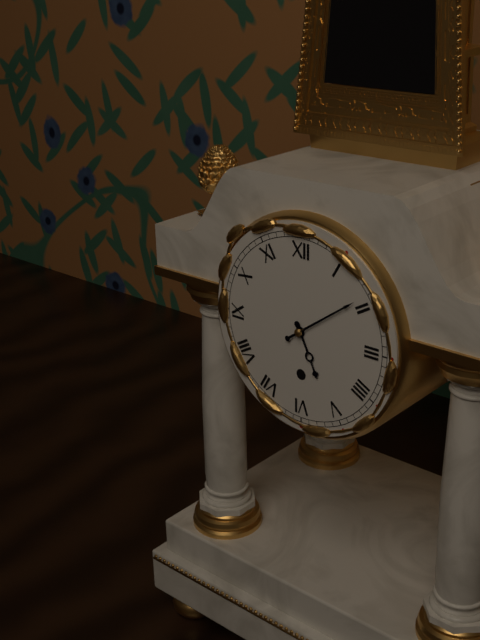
5:09
